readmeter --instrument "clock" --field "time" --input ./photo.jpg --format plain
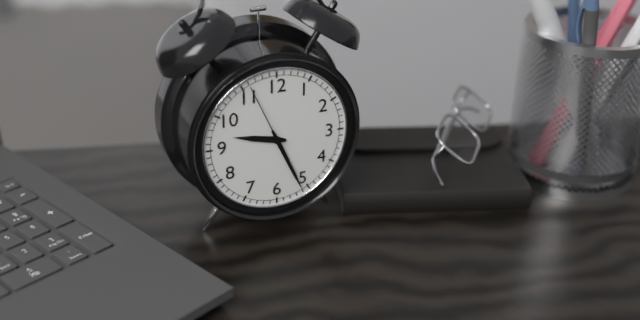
9:26:56
